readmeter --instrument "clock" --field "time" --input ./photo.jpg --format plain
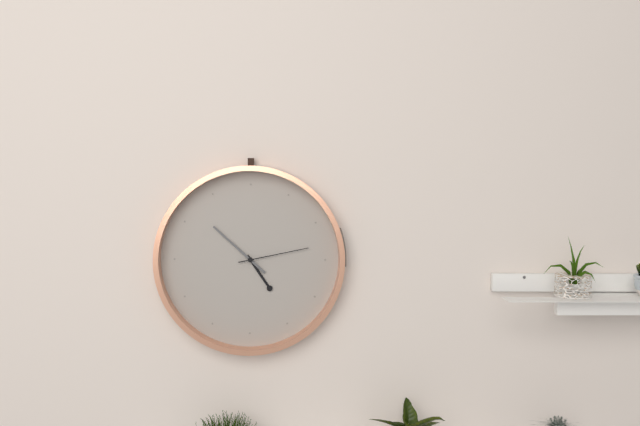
4:52:13
